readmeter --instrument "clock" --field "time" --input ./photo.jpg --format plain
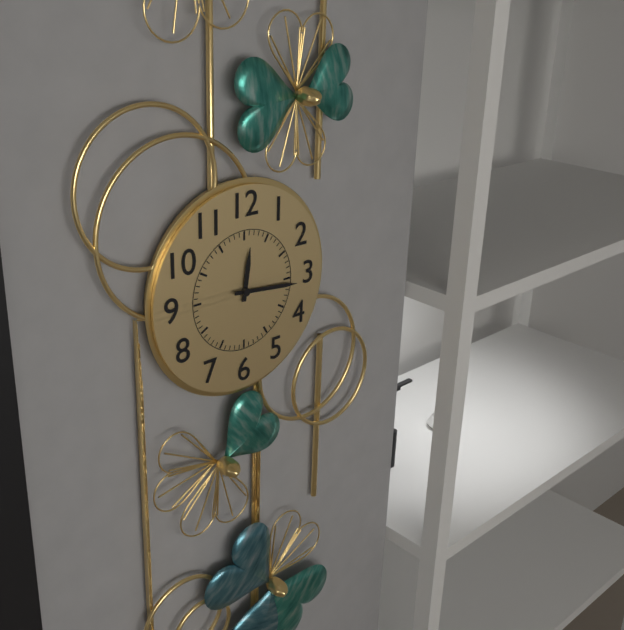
12:16
